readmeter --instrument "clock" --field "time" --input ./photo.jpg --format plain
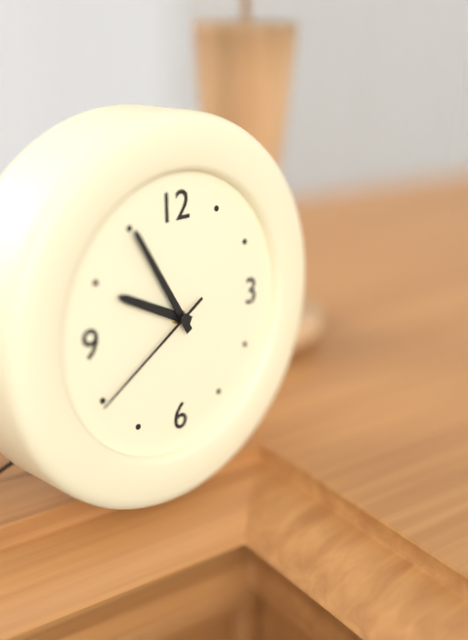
9:55:40
